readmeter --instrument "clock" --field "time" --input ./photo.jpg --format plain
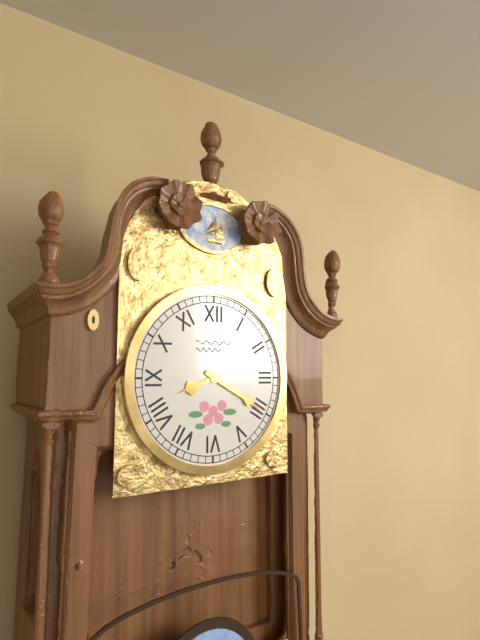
8:20
